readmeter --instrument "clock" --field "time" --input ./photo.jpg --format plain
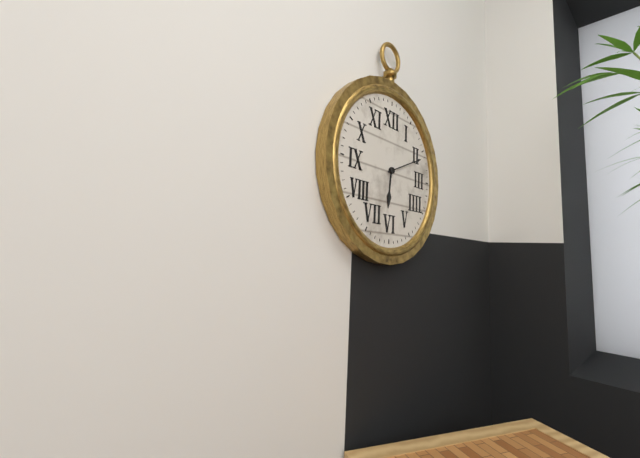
6:11
